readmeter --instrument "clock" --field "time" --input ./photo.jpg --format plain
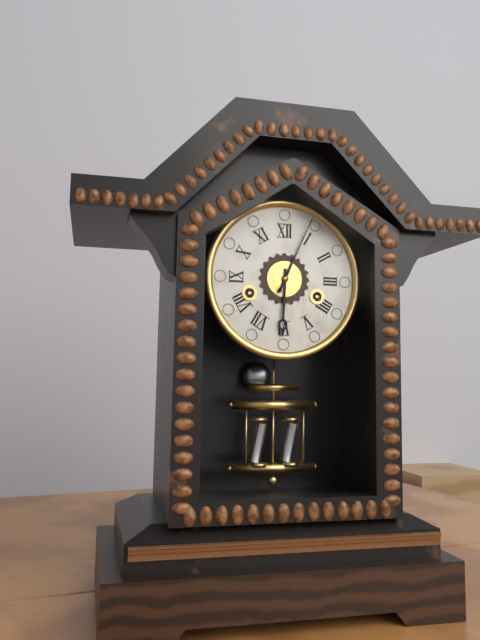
6:04
